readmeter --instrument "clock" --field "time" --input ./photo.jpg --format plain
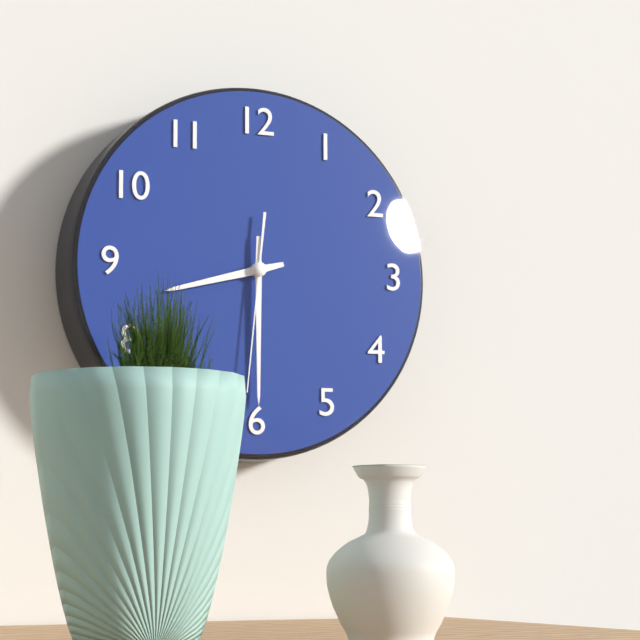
8:30:31
